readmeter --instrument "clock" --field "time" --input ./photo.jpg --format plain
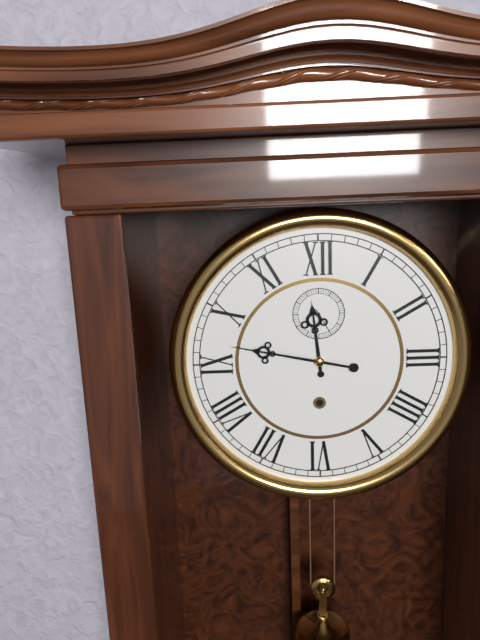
11:47
